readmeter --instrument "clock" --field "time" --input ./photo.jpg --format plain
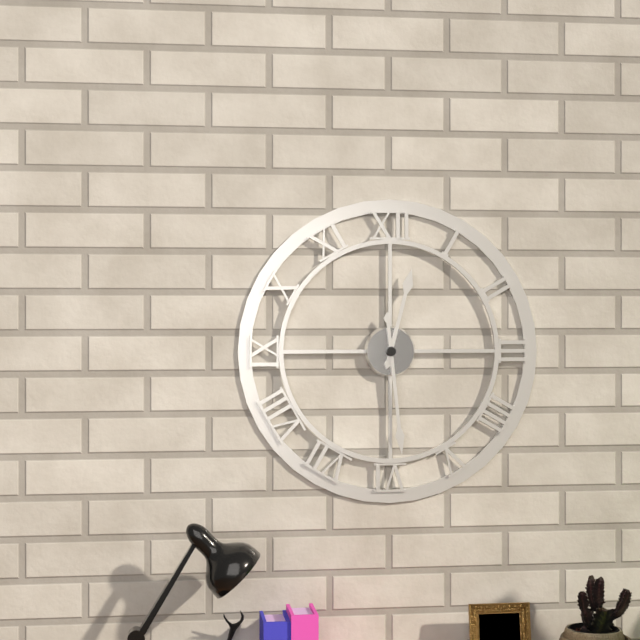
12:29
